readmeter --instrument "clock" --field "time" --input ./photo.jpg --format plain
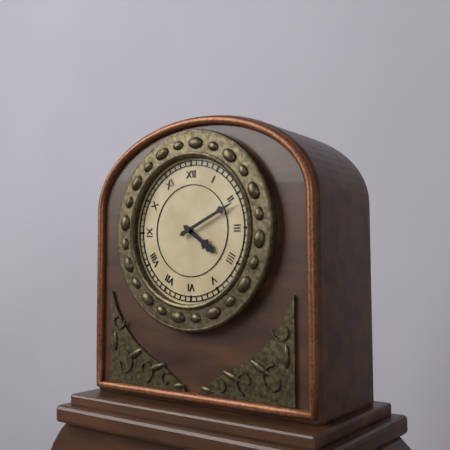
4:11
